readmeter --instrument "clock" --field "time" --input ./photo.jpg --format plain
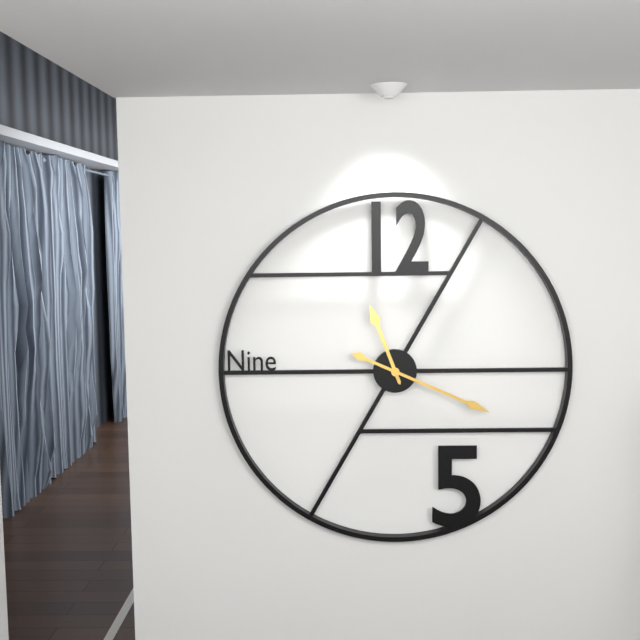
11:19
